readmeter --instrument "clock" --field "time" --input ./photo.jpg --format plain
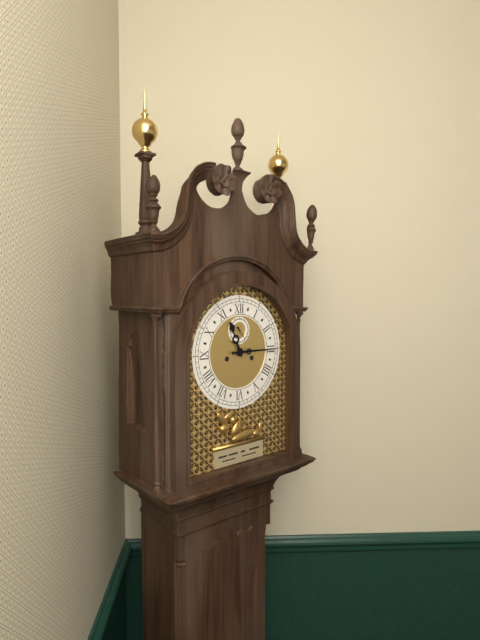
11:15
